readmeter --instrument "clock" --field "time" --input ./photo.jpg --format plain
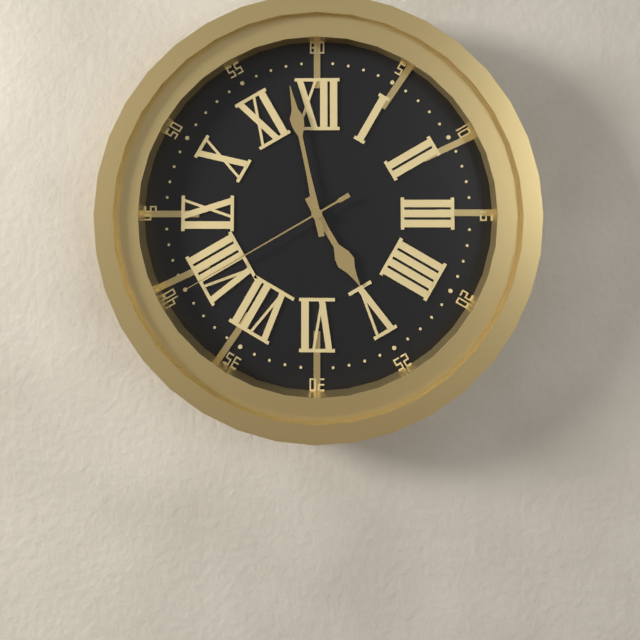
4:58:40
